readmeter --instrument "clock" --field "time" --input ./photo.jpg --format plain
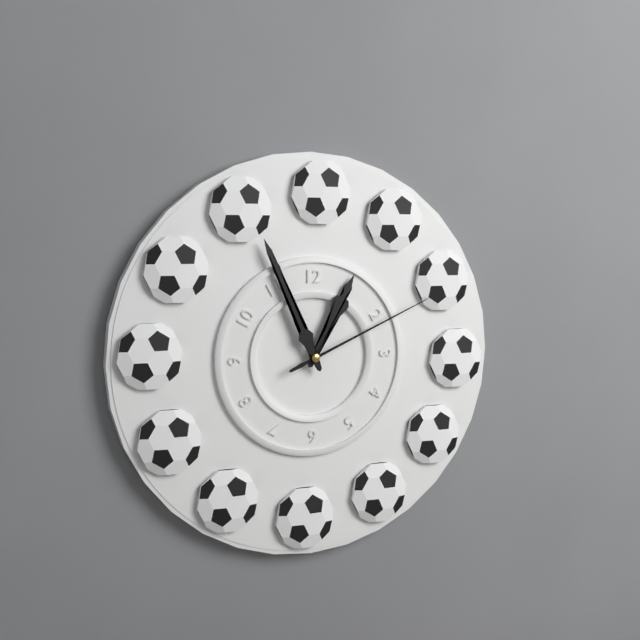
12:56:11
